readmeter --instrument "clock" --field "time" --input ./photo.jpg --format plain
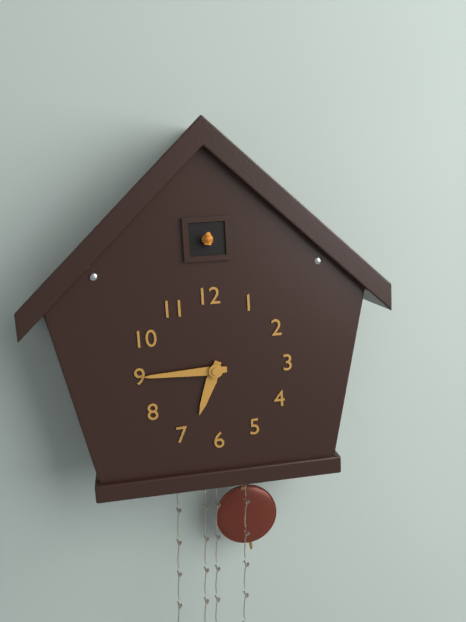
6:45
